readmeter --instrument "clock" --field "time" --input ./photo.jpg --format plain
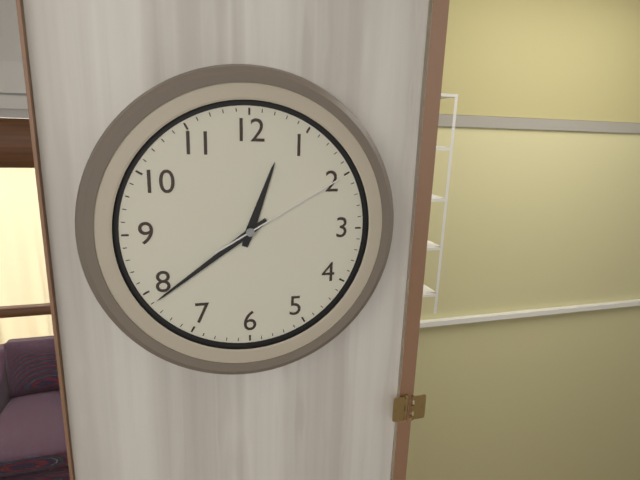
12:39:10
